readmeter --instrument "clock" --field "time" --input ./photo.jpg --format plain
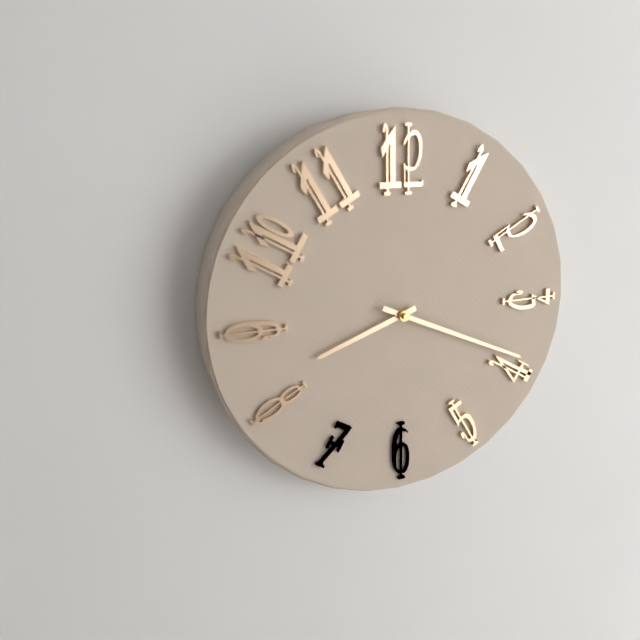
8:19
